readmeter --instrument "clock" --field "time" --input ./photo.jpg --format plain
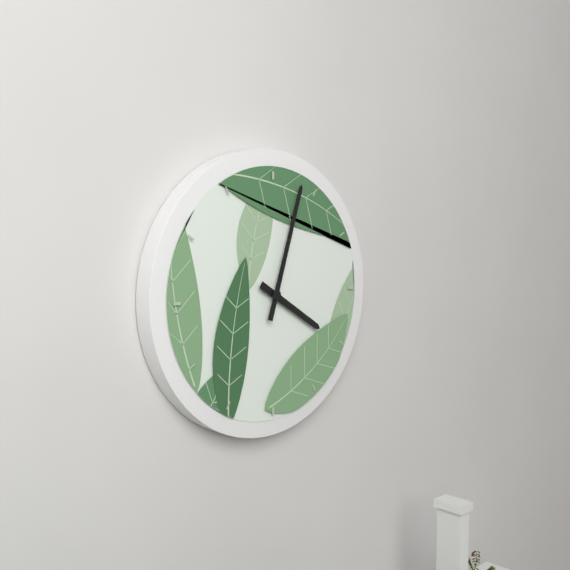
4:03
